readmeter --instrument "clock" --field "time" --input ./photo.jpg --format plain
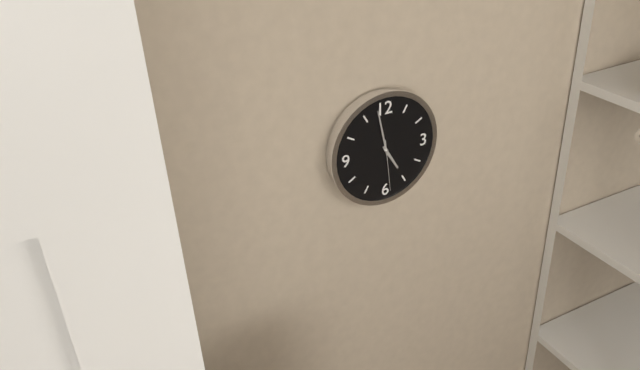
4:58:29
